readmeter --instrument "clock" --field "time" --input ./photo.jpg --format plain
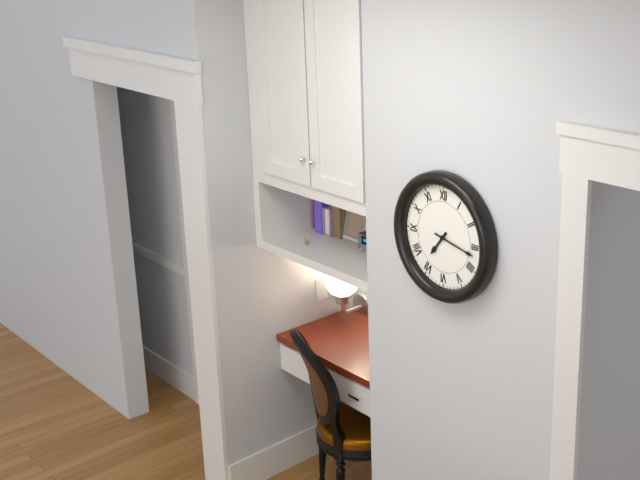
7:17
